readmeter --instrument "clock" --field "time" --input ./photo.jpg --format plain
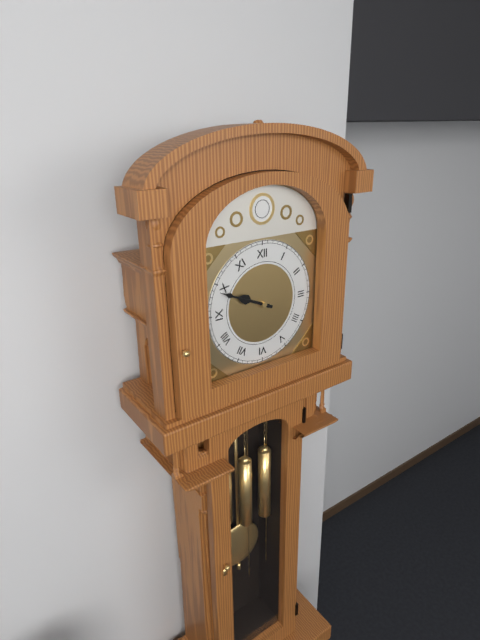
9:49
